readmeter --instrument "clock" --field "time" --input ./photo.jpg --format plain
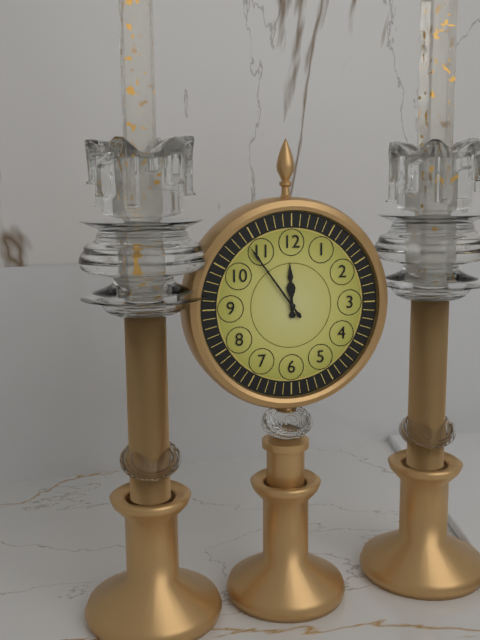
11:54
